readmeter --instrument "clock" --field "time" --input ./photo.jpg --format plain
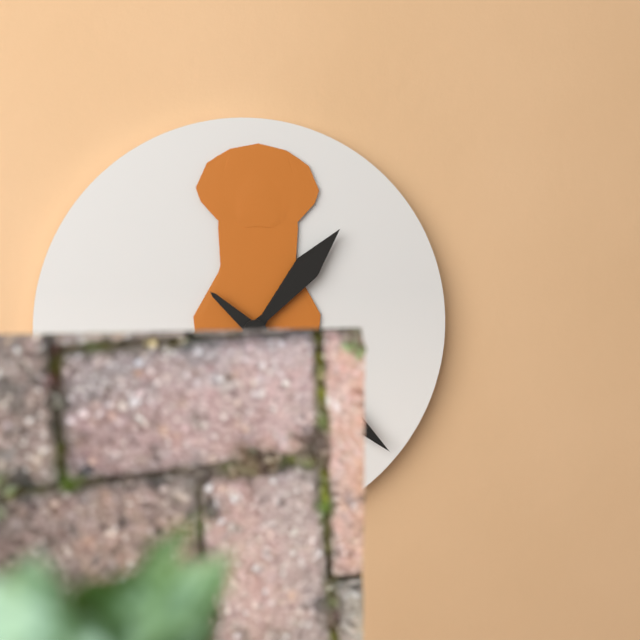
1:22
